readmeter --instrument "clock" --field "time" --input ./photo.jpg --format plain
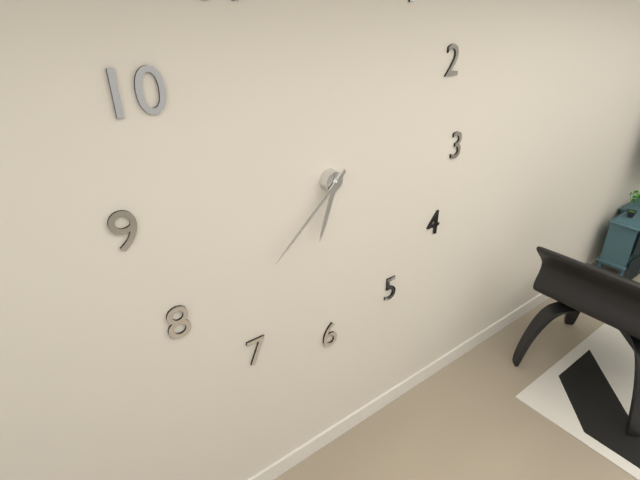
6:38
